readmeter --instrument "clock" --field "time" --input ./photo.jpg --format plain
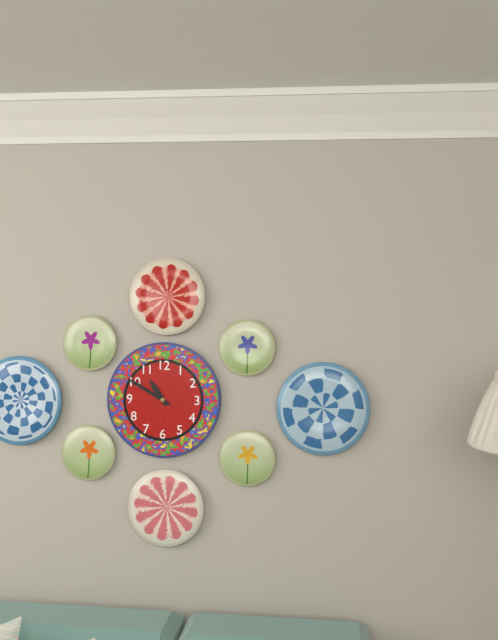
10:50
